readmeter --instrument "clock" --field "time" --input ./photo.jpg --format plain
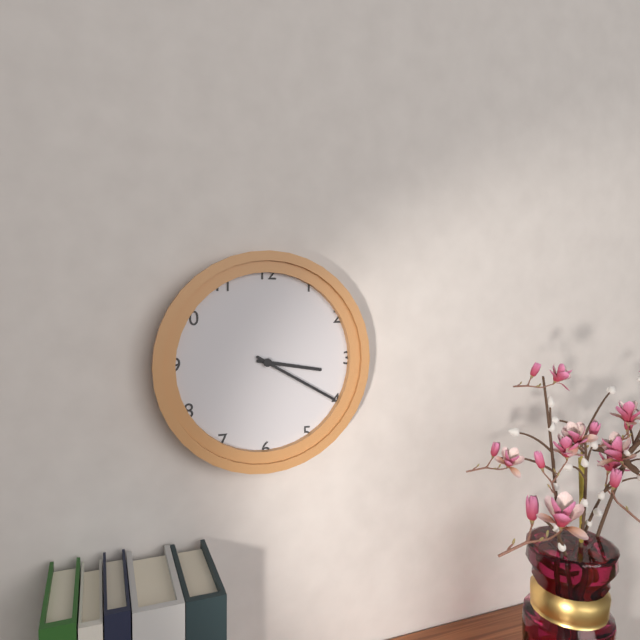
3:20
